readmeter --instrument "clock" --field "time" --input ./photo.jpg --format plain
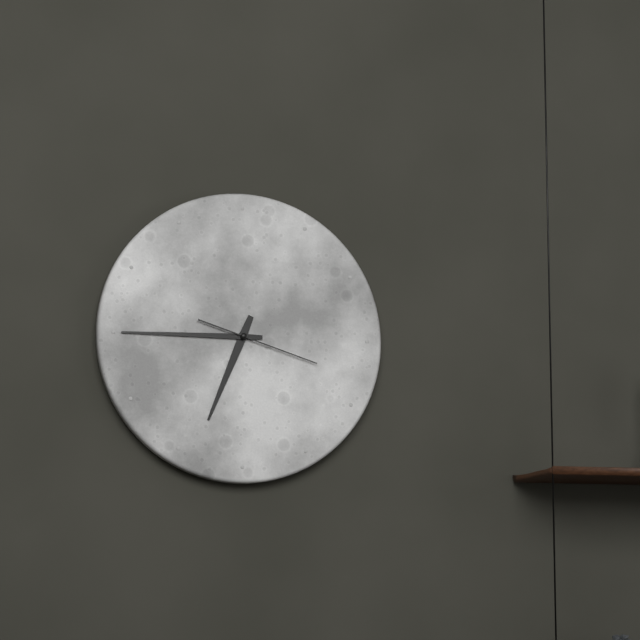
6:45:18
